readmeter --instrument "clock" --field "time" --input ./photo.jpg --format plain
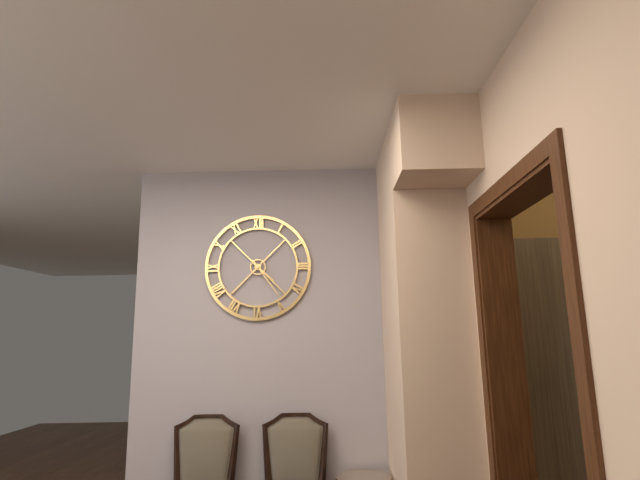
4:24
